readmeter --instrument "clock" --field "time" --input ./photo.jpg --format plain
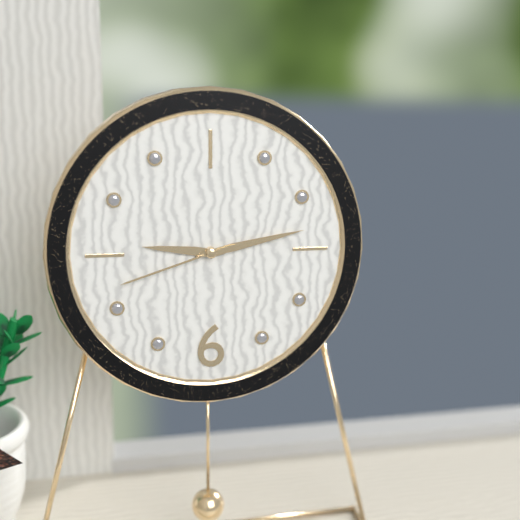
9:13:42
